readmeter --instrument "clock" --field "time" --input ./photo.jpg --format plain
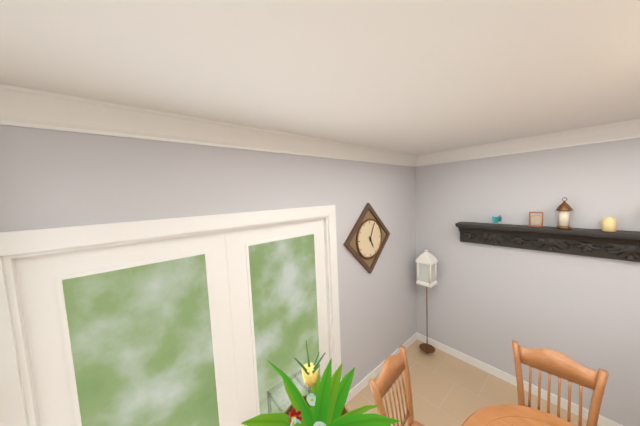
5:04
